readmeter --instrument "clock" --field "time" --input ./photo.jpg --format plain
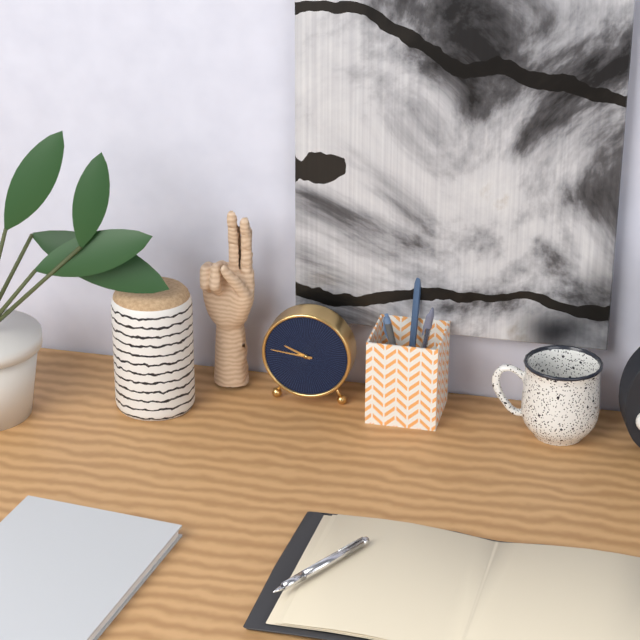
9:46
